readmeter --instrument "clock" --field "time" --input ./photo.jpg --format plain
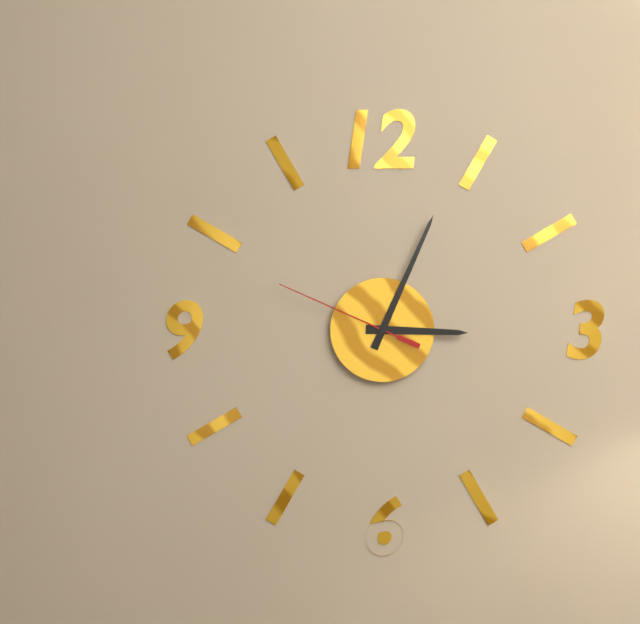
3:04:49
